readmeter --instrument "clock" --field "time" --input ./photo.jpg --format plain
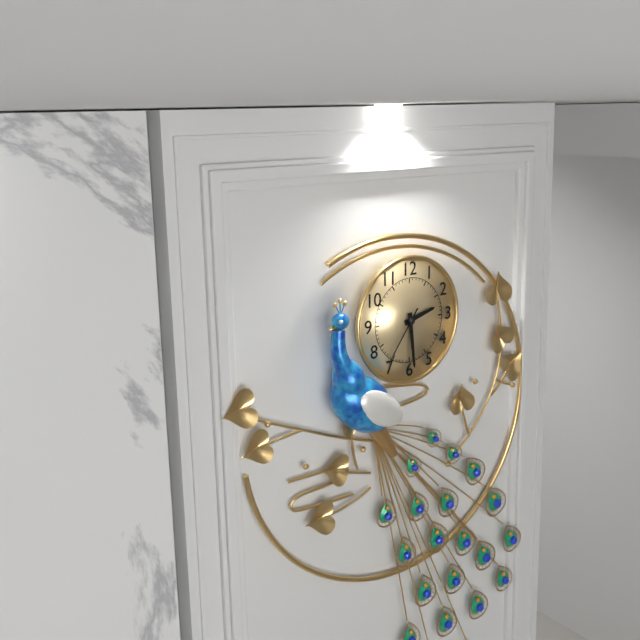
2:29:36
